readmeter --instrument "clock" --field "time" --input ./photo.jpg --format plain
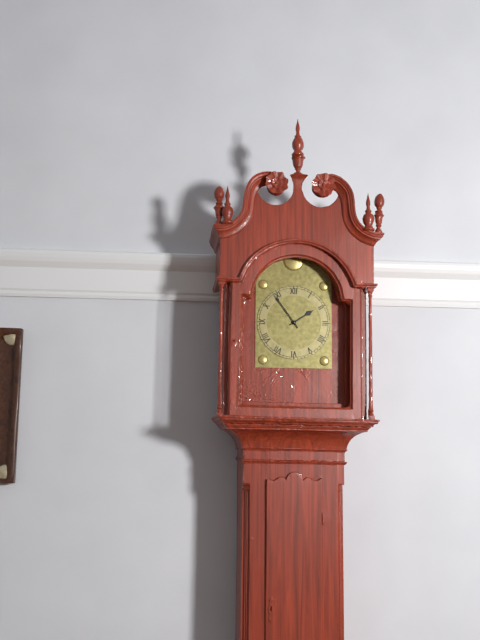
1:54
